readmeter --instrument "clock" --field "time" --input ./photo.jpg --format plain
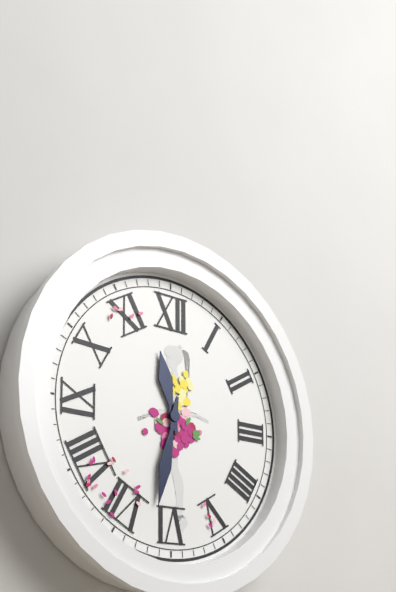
11:32
